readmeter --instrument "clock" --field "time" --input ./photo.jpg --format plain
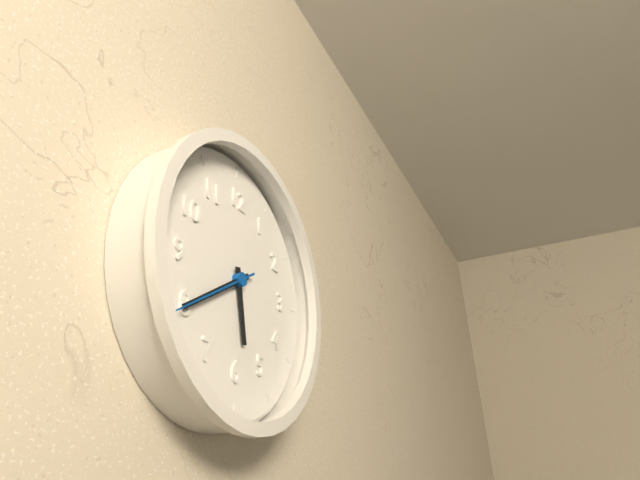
5:40:40
